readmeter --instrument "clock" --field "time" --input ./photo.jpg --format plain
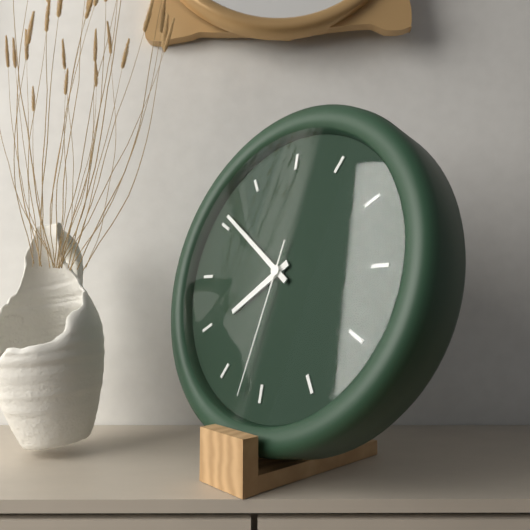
7:51:32
